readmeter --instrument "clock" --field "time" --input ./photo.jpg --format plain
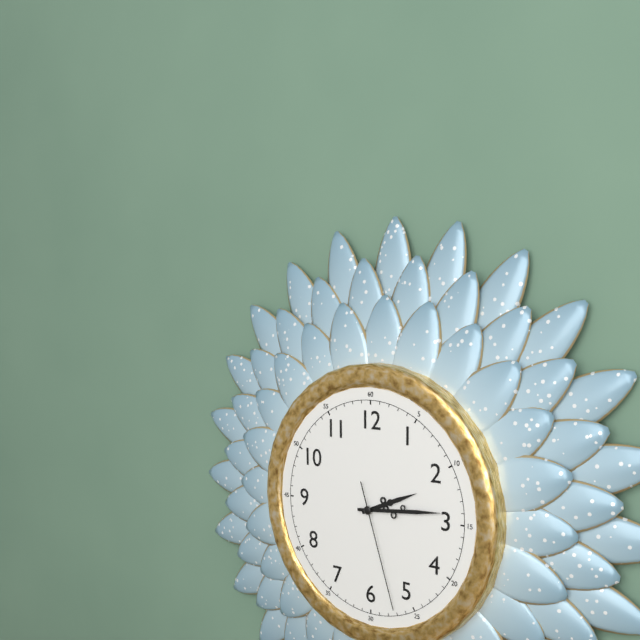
2:14:27
